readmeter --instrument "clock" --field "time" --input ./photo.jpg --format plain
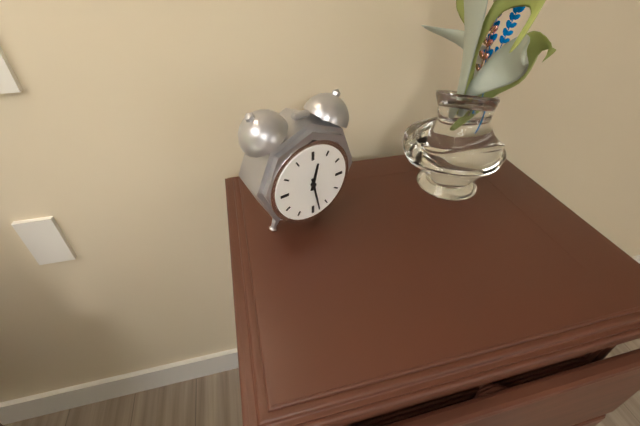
12:28
